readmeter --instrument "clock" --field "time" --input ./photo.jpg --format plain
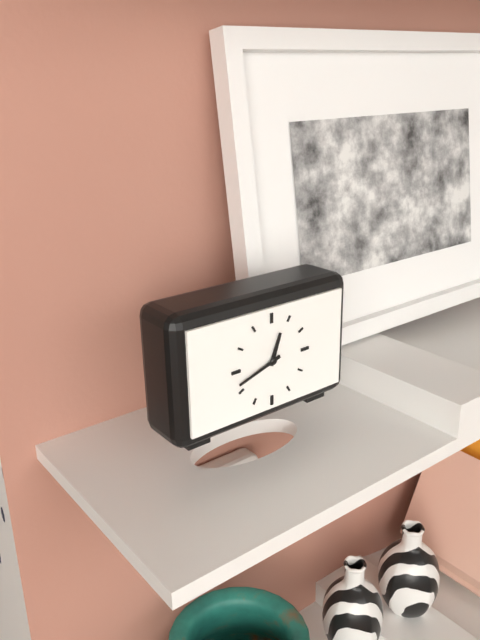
12:42
